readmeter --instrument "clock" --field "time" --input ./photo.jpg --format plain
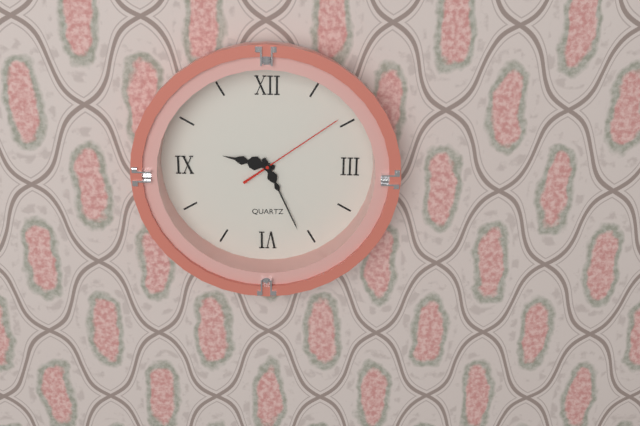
9:26:09
